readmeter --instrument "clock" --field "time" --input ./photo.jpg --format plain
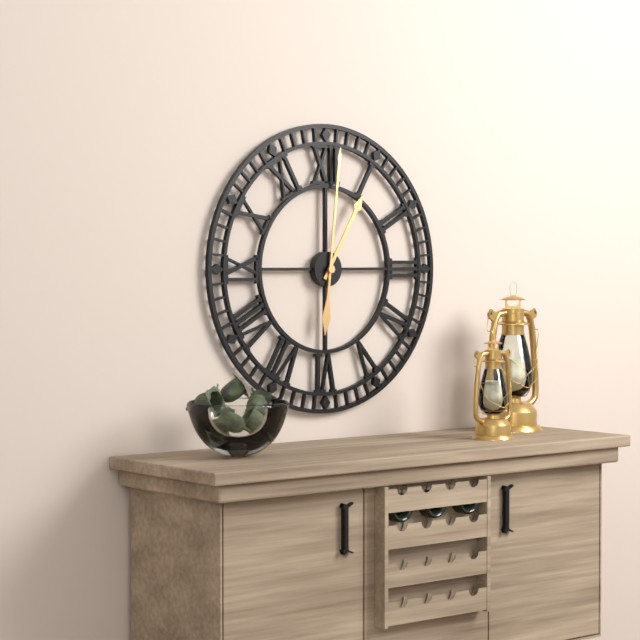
1:01
